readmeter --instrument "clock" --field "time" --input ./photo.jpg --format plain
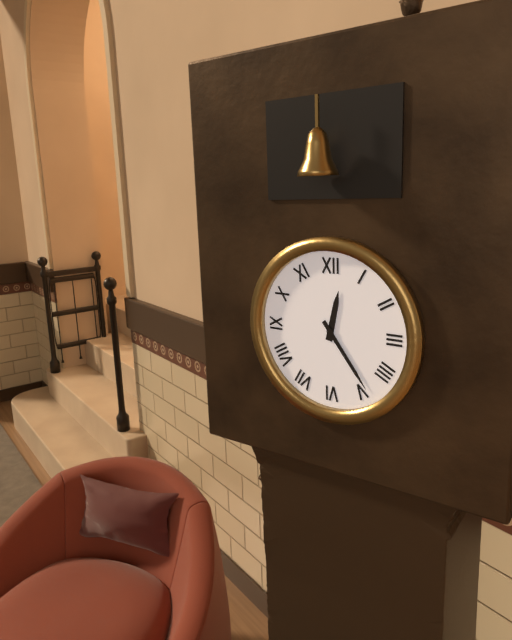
12:24
